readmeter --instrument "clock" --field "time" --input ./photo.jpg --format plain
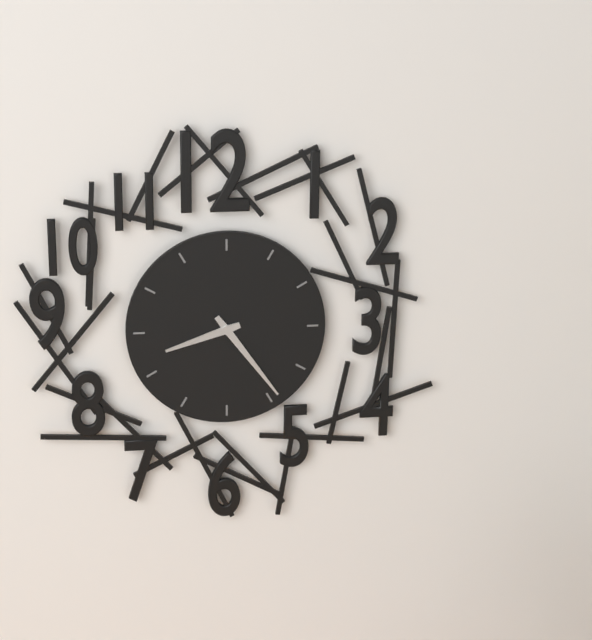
8:24
